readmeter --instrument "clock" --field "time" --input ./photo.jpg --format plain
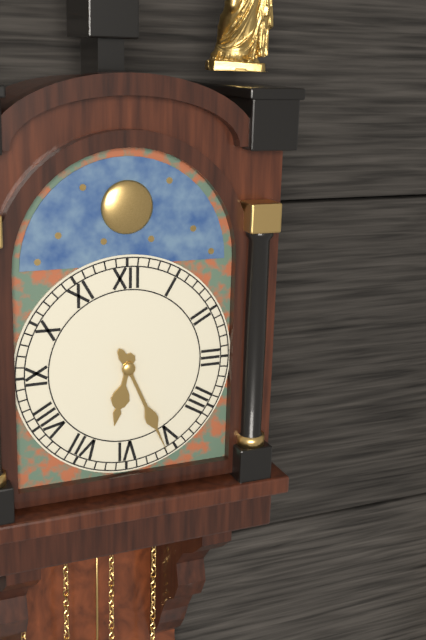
6:26
